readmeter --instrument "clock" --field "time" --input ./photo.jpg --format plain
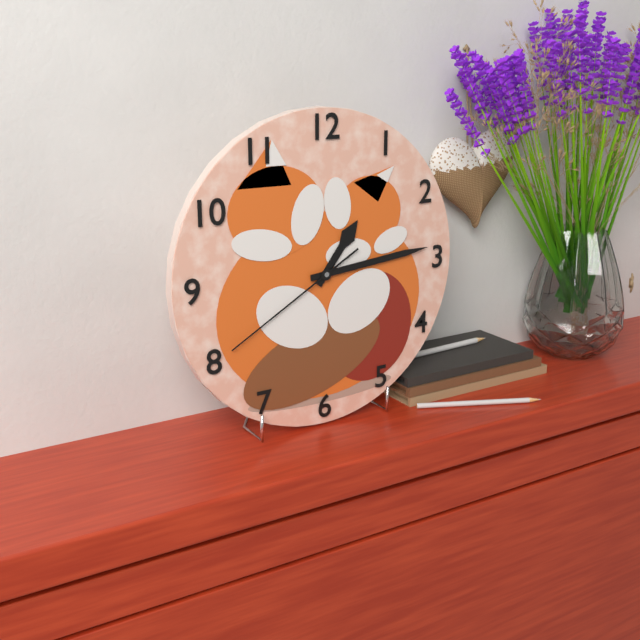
1:14:40
